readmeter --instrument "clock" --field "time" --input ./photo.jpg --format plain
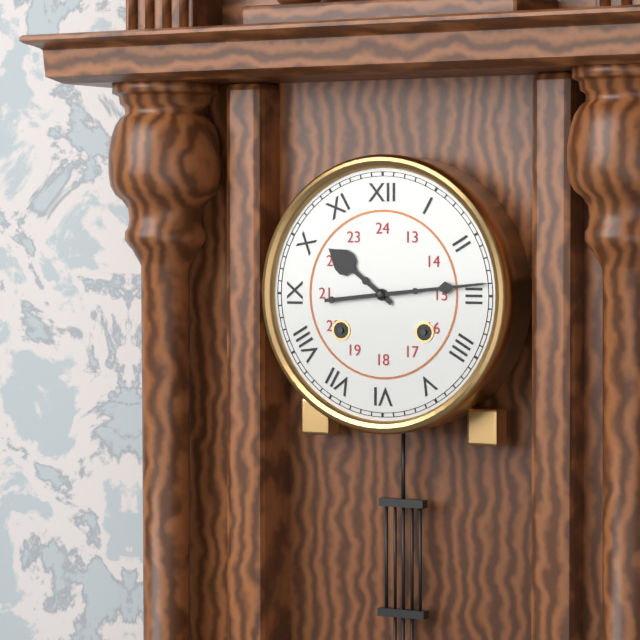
10:14
